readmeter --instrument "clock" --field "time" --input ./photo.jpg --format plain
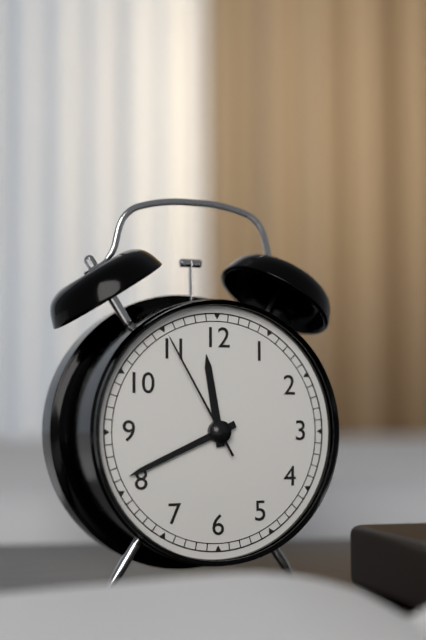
11:41:55
